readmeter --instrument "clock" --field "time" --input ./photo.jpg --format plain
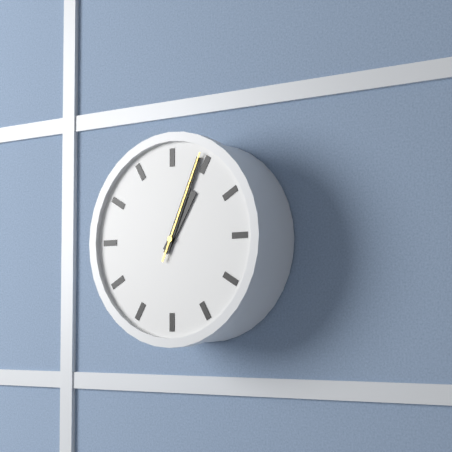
1:04:04
